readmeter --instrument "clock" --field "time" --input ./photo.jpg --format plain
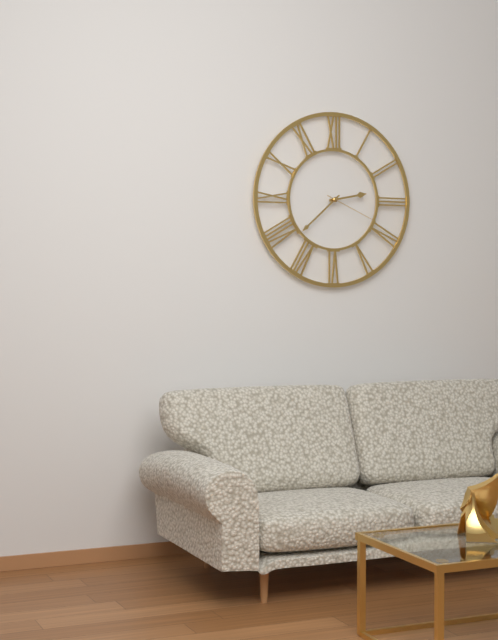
2:38:19
